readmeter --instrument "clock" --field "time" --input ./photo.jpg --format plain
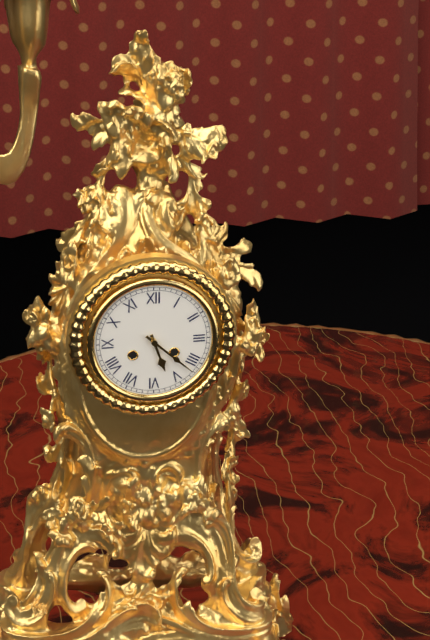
5:22
